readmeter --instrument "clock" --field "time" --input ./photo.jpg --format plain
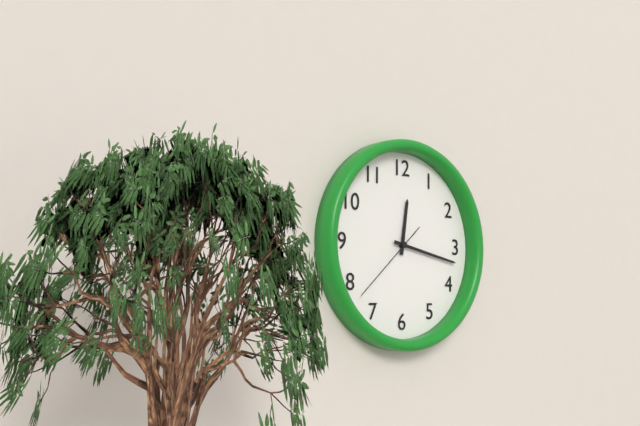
12:17:38
